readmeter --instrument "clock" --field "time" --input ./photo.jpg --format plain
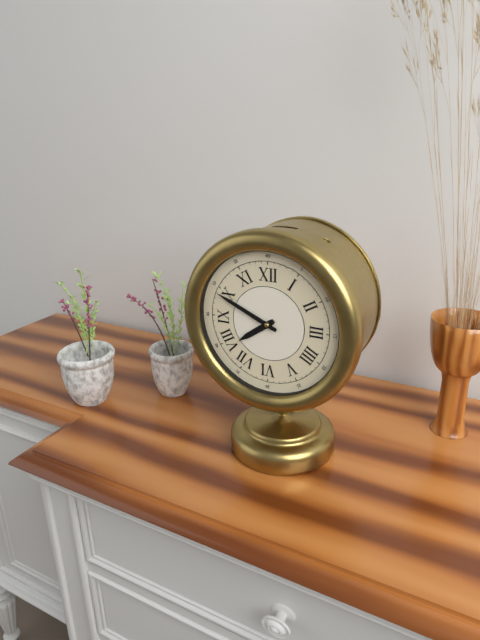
7:49
